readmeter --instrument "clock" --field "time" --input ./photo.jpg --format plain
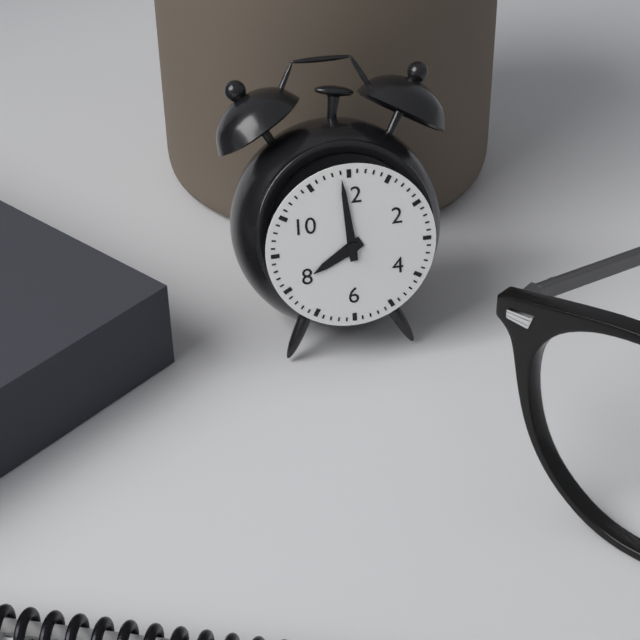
7:59
